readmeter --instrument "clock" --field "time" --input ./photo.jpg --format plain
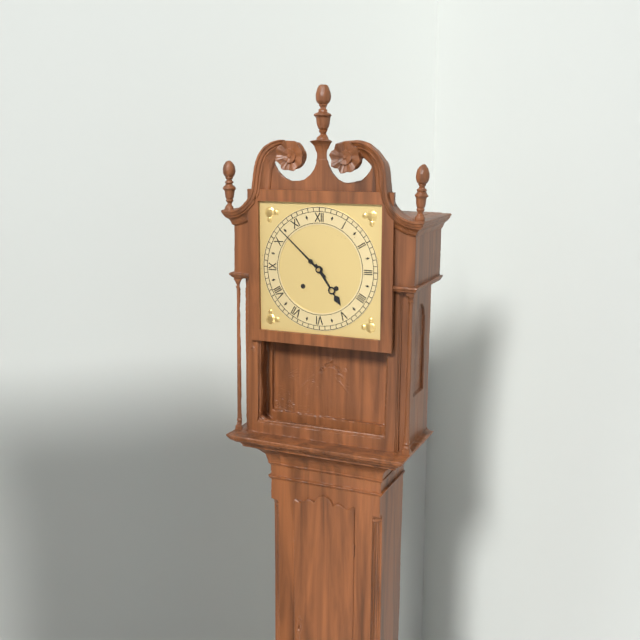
4:52
